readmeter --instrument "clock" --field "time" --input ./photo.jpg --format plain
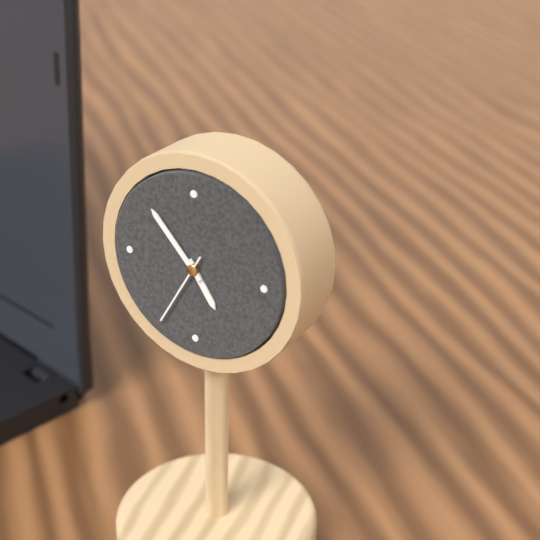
4:53:35
